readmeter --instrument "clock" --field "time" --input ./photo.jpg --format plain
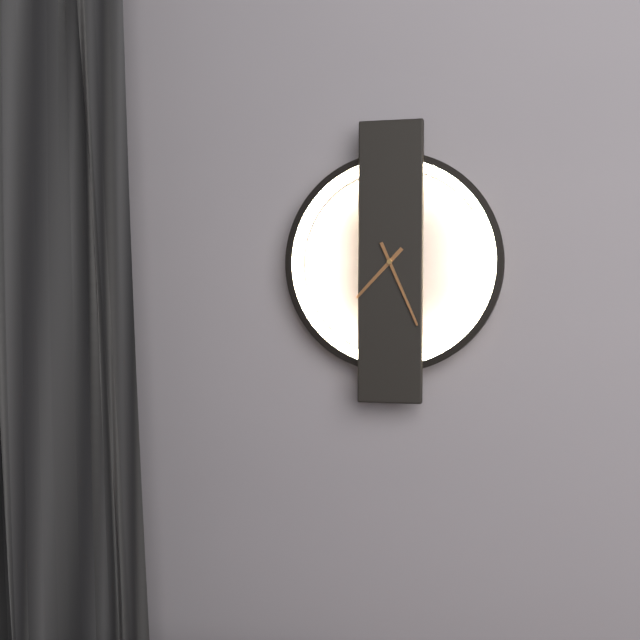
7:26
